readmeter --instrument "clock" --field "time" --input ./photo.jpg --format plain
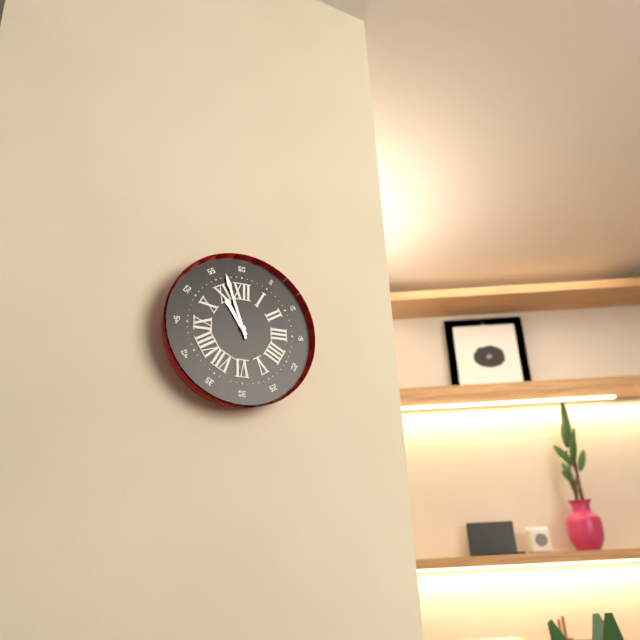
10:57
